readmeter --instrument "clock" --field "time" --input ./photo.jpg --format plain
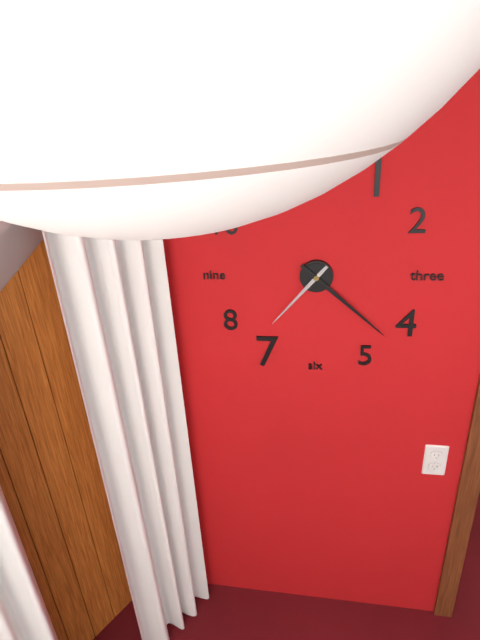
7:22
